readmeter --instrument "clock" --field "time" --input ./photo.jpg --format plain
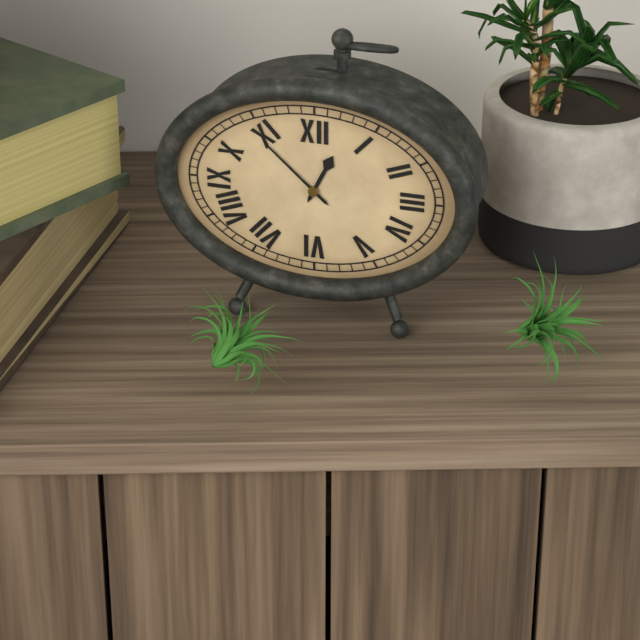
12:52
